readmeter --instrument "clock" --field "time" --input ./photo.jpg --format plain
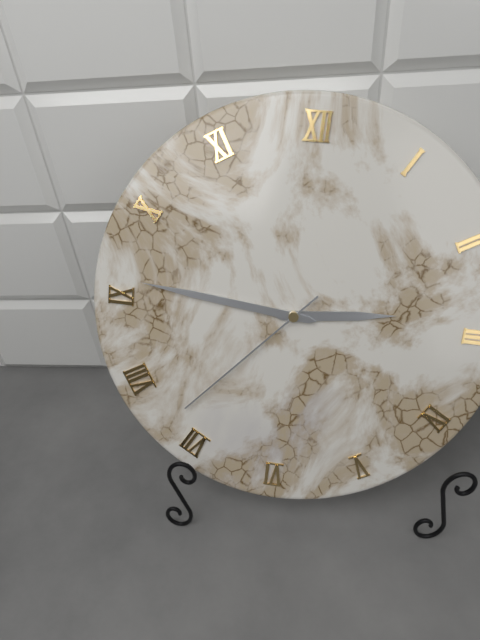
2:46:37
